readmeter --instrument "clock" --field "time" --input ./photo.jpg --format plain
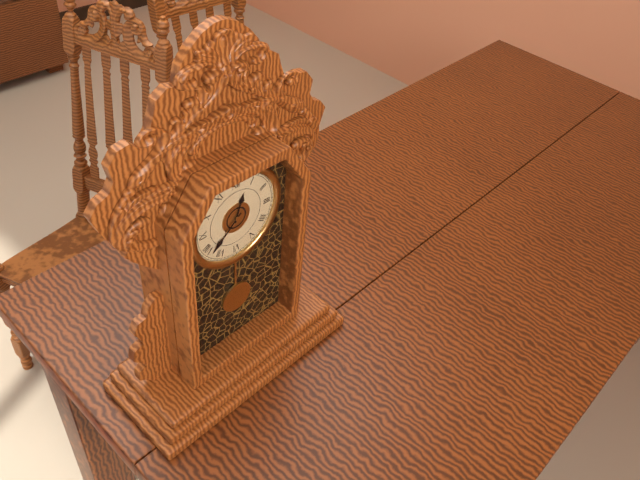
12:38
